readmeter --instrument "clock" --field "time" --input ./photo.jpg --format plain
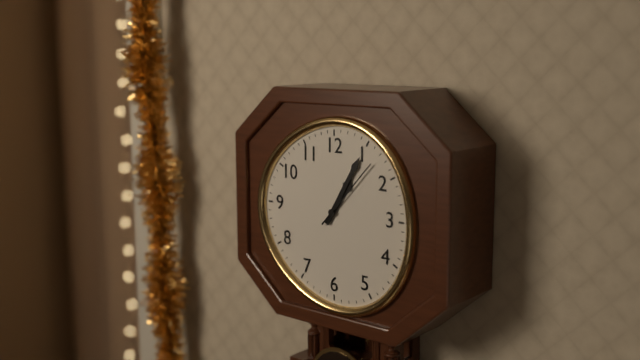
1:05:07
